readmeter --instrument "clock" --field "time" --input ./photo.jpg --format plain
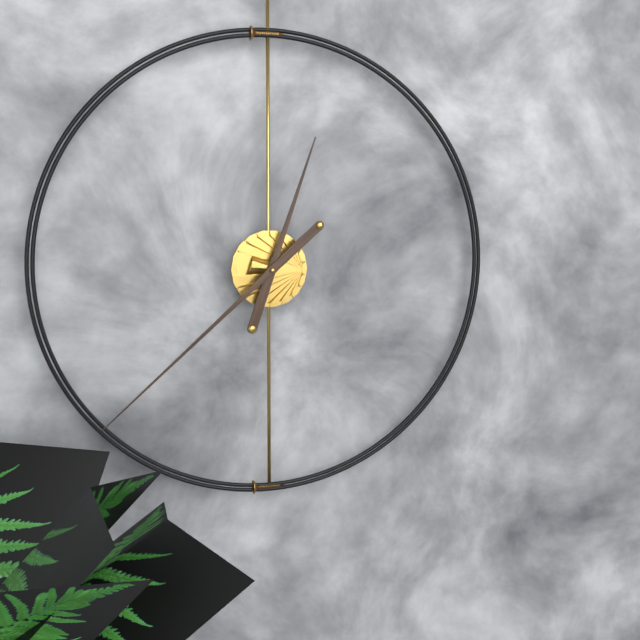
12:38
